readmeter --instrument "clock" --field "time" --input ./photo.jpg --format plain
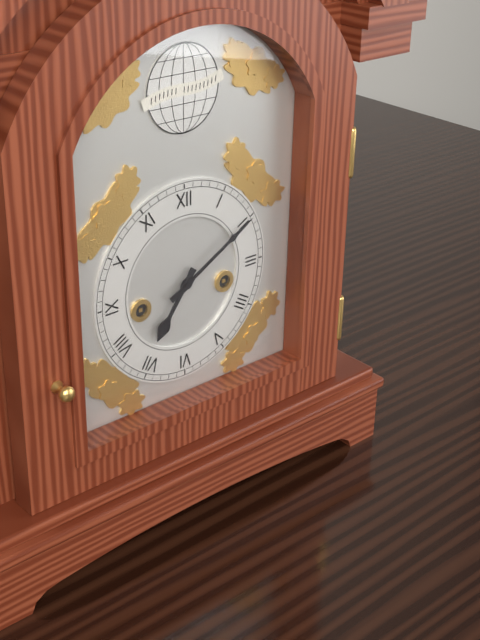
7:10
